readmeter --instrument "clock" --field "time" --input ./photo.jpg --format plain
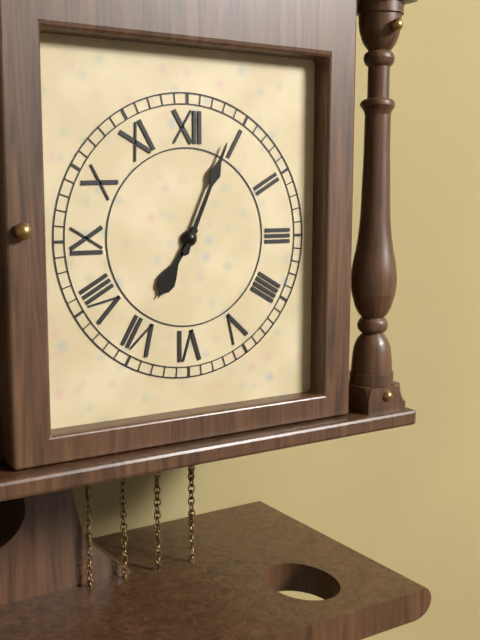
7:04
